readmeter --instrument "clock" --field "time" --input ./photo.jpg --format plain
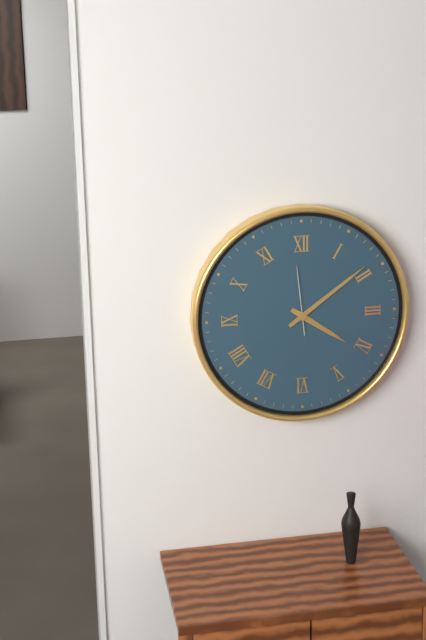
4:09:59
